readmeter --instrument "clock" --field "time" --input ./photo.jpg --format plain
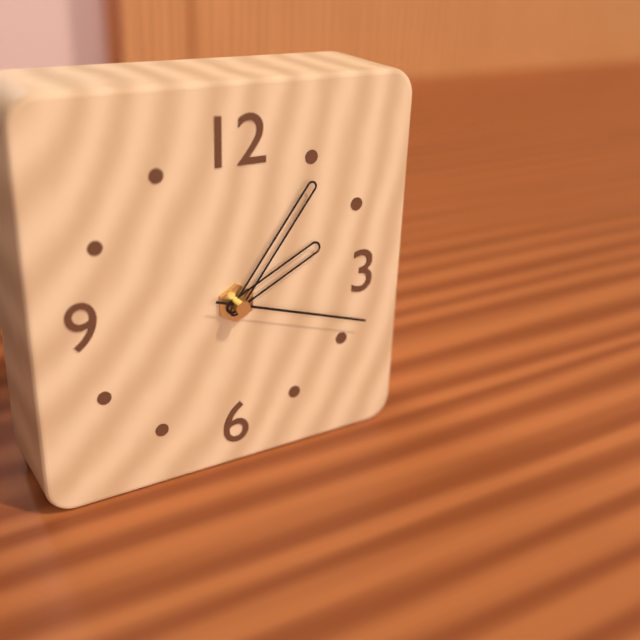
2:06:18
